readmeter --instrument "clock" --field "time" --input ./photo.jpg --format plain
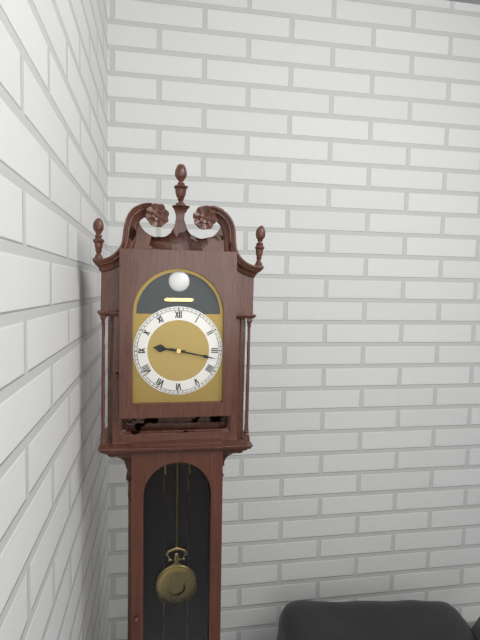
9:17
